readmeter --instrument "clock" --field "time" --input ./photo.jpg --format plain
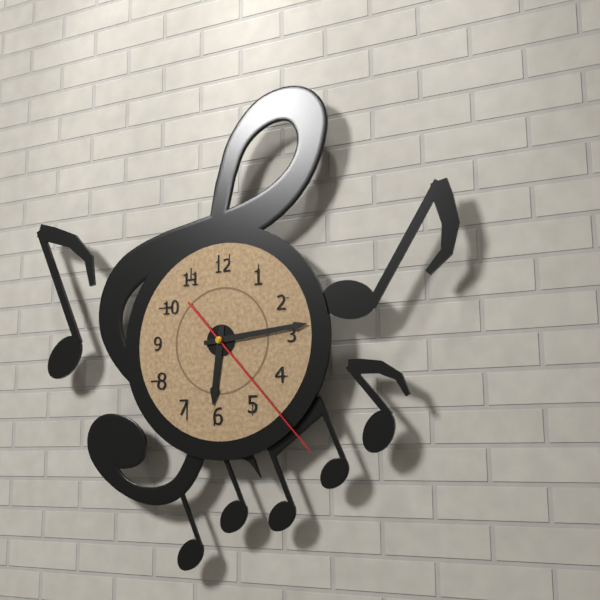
6:14:23
